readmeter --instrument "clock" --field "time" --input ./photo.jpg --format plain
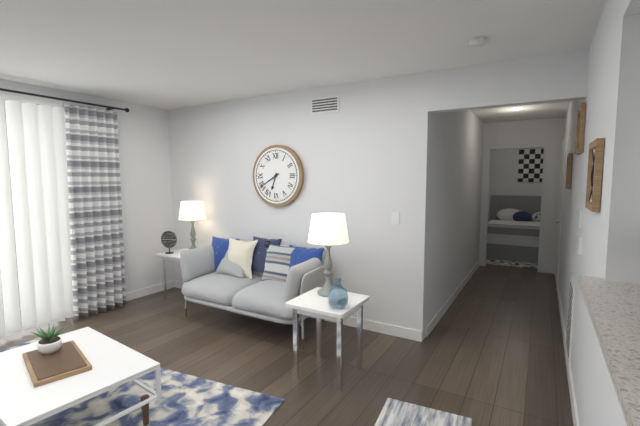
6:40
